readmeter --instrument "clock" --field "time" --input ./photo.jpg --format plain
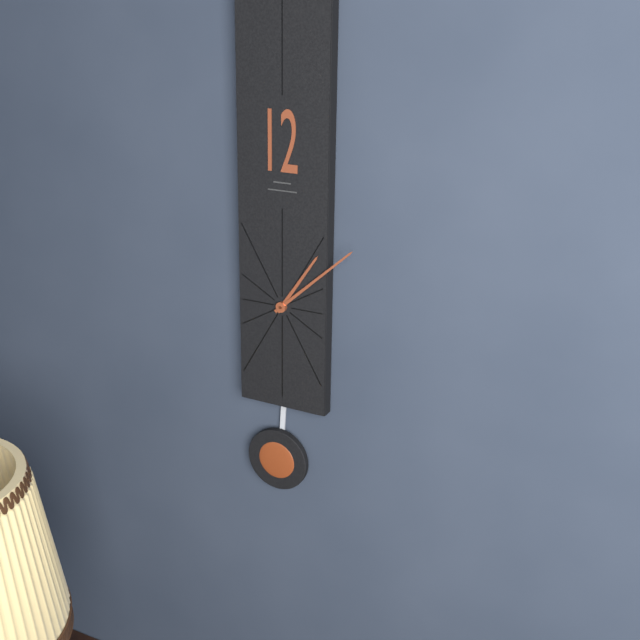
1:08
